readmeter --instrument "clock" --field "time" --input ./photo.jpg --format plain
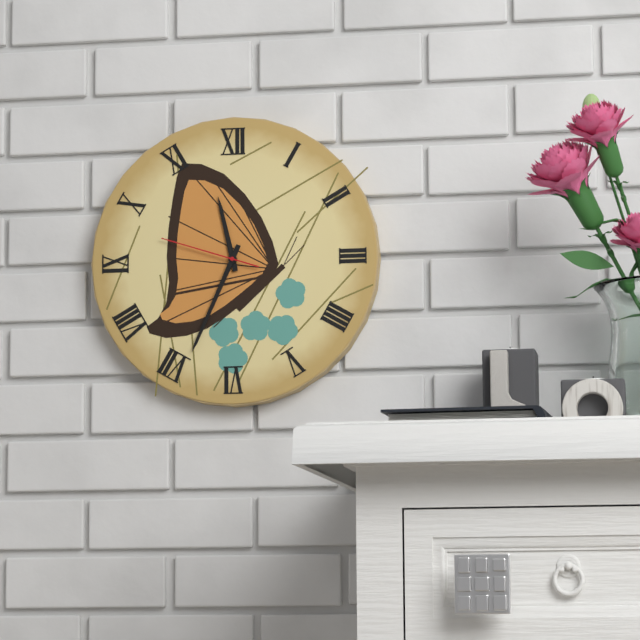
11:34:48
